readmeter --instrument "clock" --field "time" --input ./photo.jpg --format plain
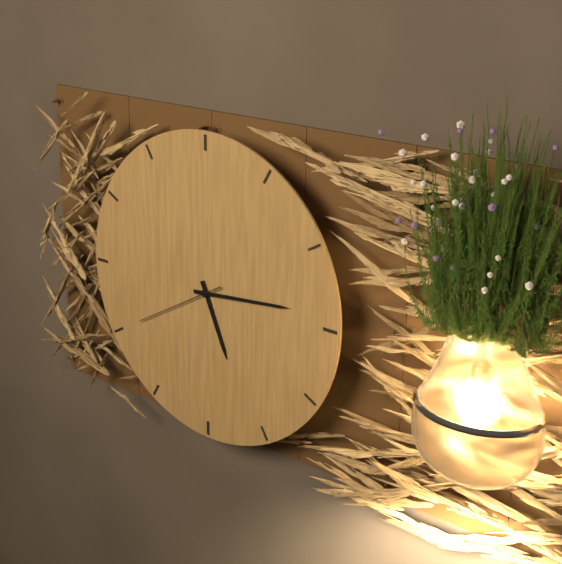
5:14:40
